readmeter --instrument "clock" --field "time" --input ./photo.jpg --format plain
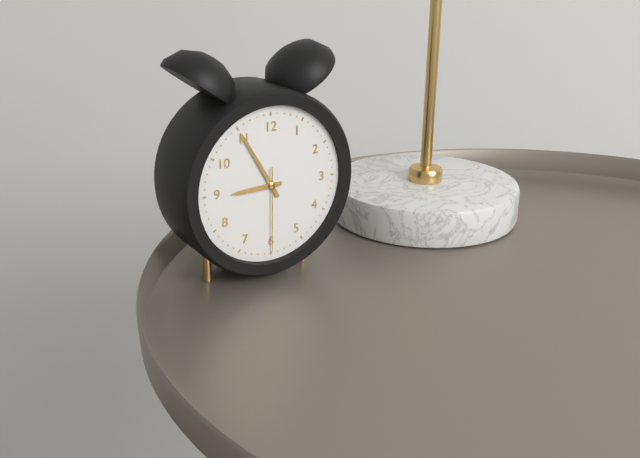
8:55:30
